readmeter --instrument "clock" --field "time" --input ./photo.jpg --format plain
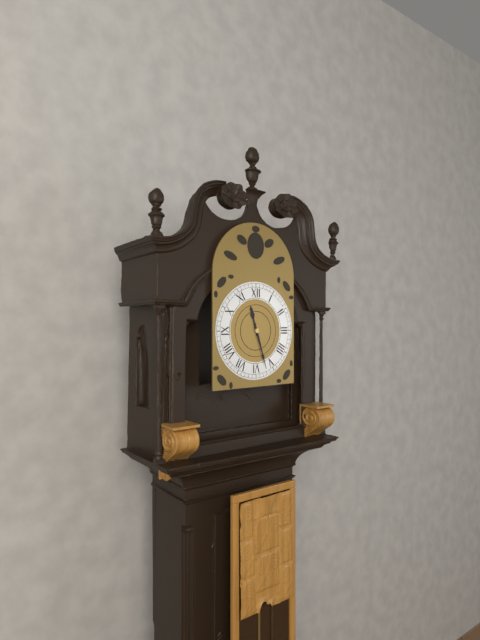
11:27
